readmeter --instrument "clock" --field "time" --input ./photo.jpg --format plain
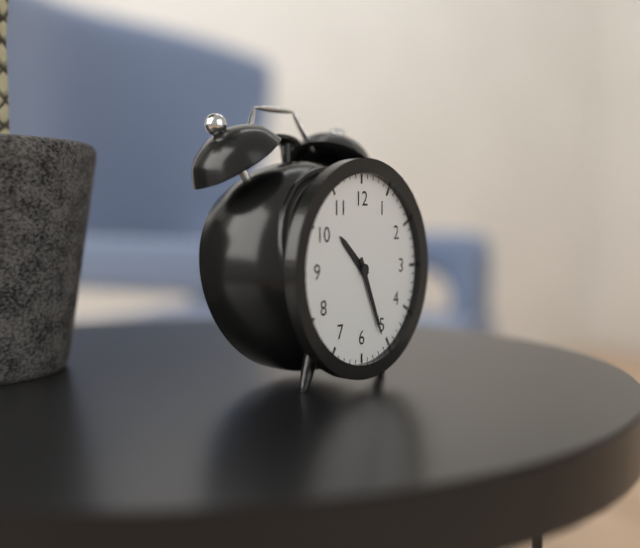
10:26
